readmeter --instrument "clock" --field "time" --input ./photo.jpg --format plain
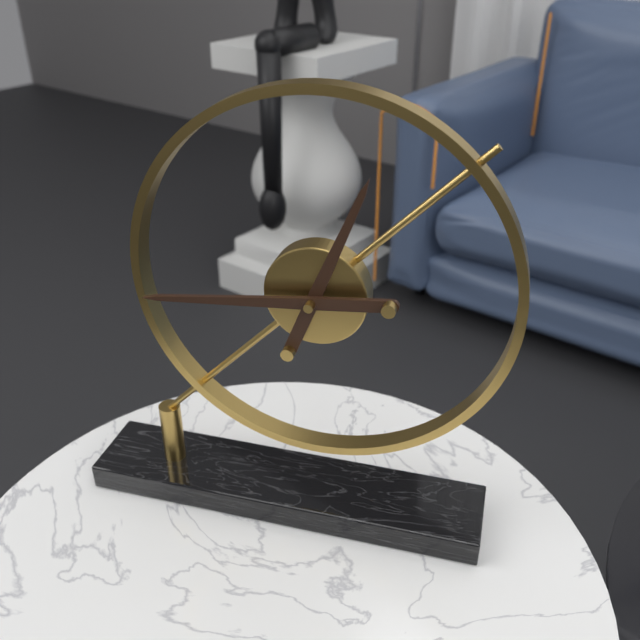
12:44
